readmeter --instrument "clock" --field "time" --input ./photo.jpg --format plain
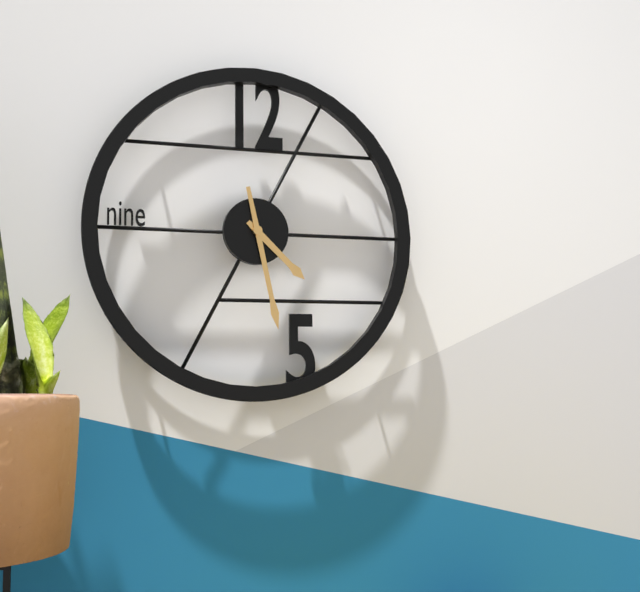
4:28
